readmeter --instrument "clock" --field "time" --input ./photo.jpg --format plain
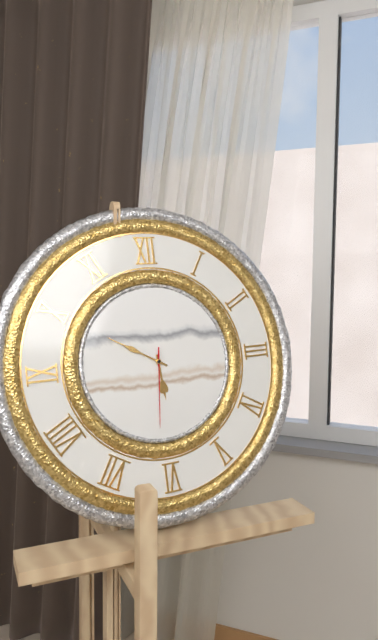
5:50:31
